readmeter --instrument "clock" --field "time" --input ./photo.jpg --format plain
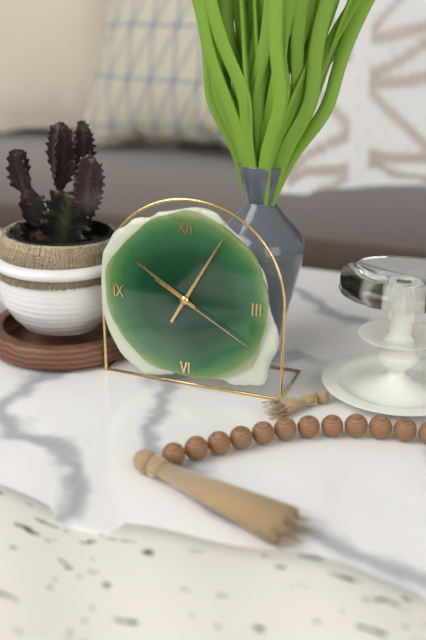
10:05:20
